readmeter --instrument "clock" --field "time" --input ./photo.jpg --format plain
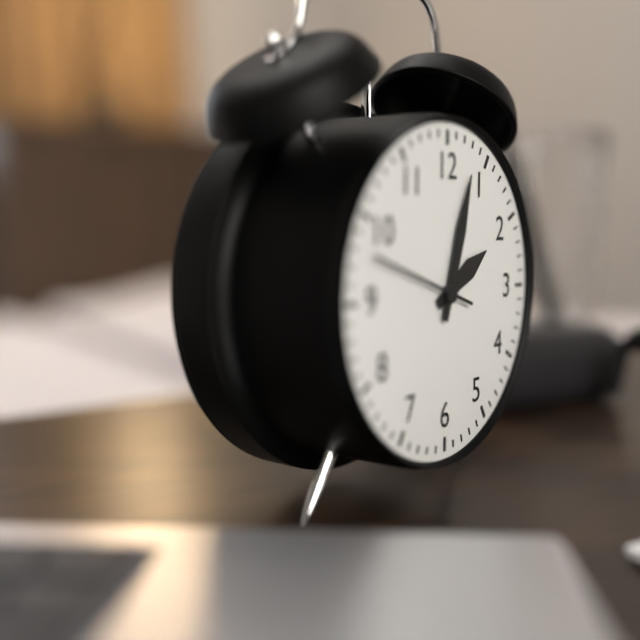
2:03
